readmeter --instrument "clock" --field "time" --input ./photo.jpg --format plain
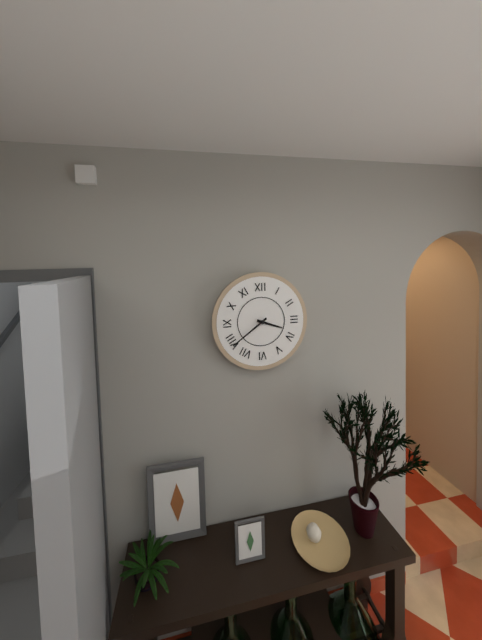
3:39
